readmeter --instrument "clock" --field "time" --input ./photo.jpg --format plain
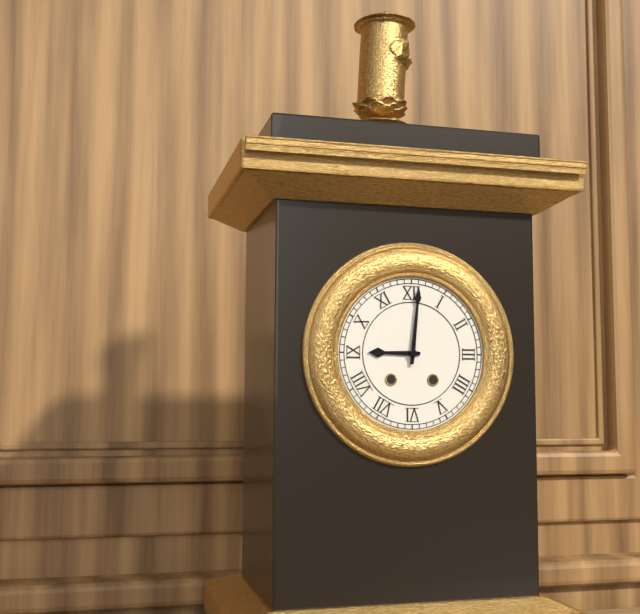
9:01
